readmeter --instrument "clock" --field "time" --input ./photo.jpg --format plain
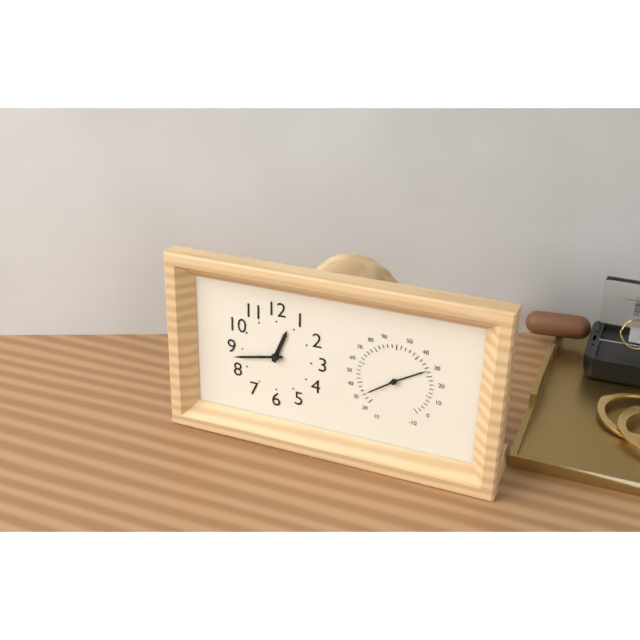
12:43
